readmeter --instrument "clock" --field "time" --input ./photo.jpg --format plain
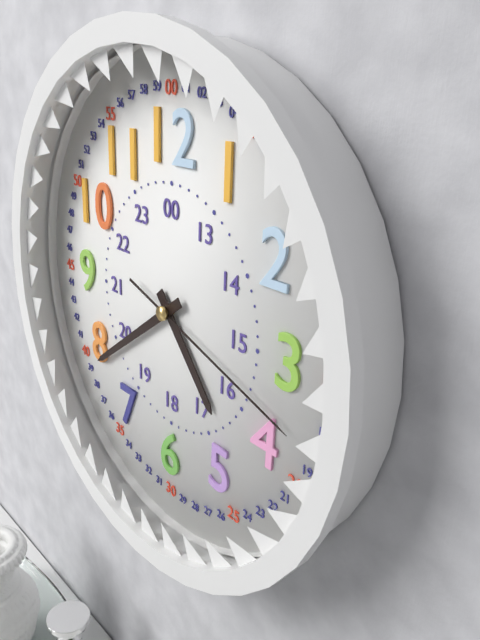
4:39:18
